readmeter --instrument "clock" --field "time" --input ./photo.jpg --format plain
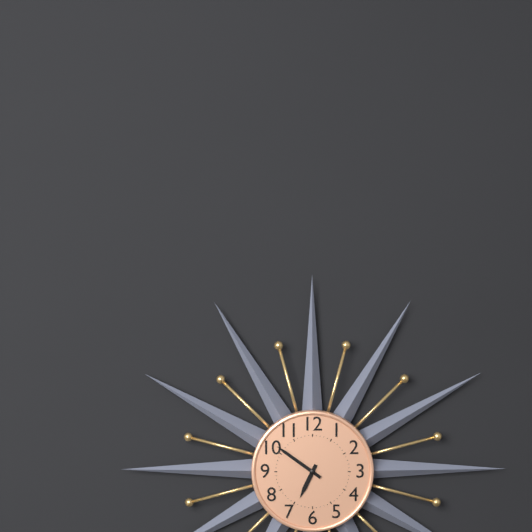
6:51
